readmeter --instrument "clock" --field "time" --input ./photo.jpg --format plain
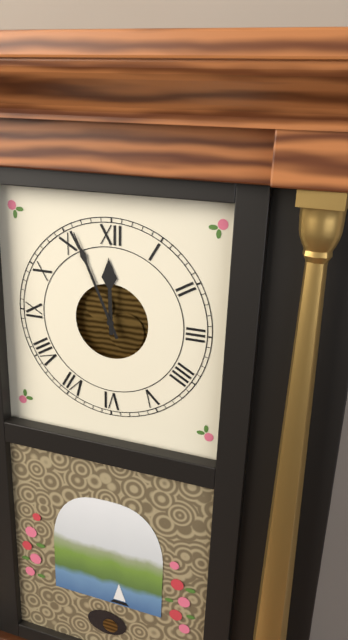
11:56
